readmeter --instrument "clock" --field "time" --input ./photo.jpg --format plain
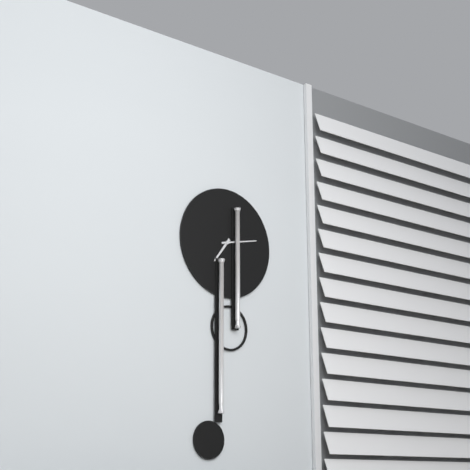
7:13
